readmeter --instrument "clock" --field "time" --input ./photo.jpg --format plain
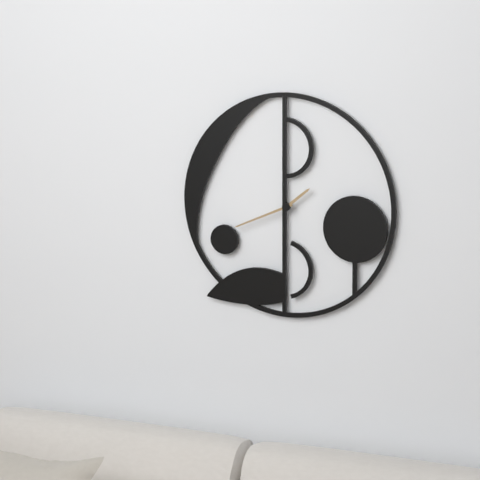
1:41
